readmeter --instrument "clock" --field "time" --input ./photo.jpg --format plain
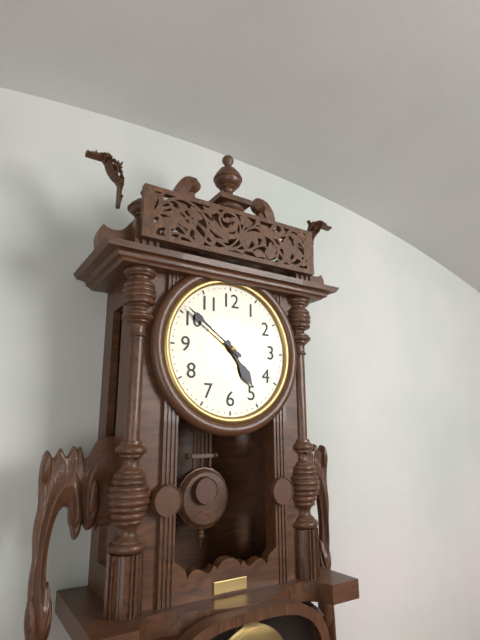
4:51
